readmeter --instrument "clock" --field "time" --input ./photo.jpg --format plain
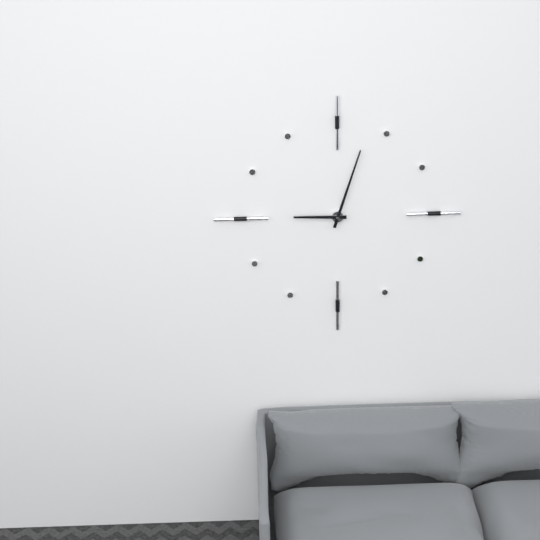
9:03
